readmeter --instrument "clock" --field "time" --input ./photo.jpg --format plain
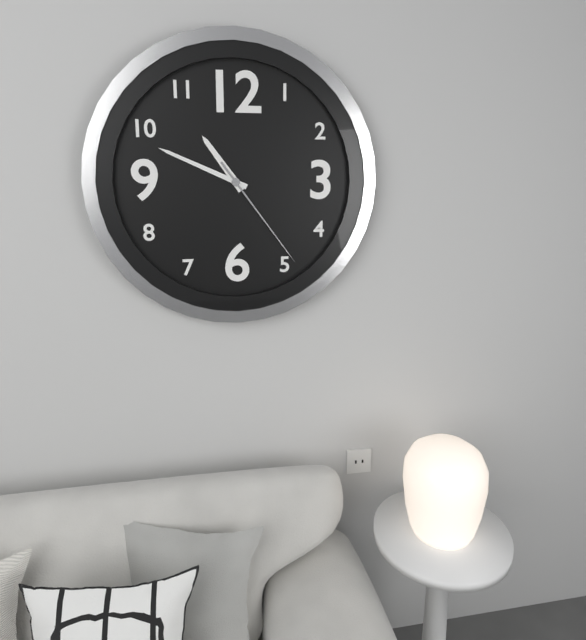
10:49:24
